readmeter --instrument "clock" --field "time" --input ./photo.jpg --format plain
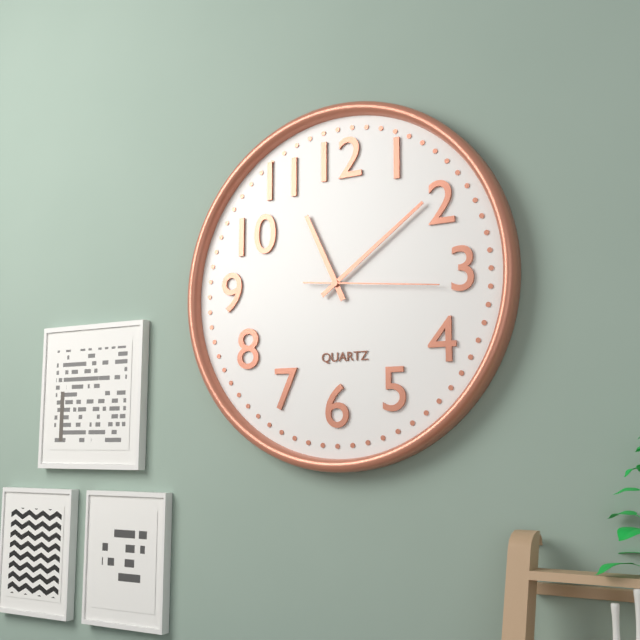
11:09:16
